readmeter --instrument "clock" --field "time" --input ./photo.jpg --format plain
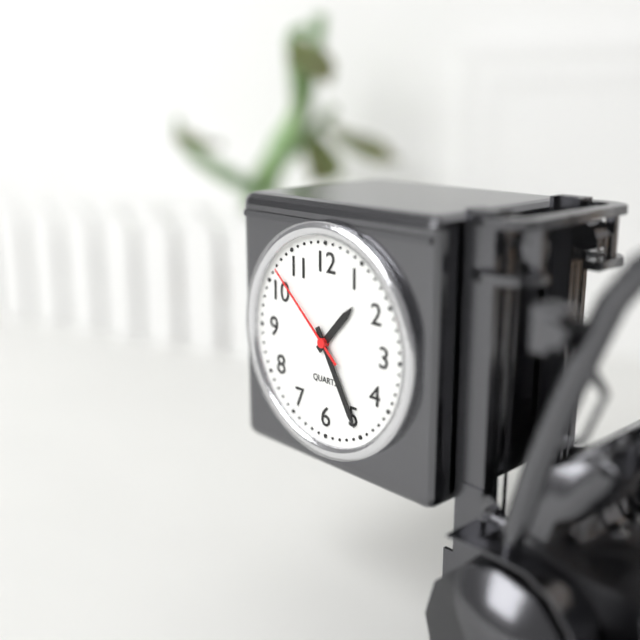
1:25:52
